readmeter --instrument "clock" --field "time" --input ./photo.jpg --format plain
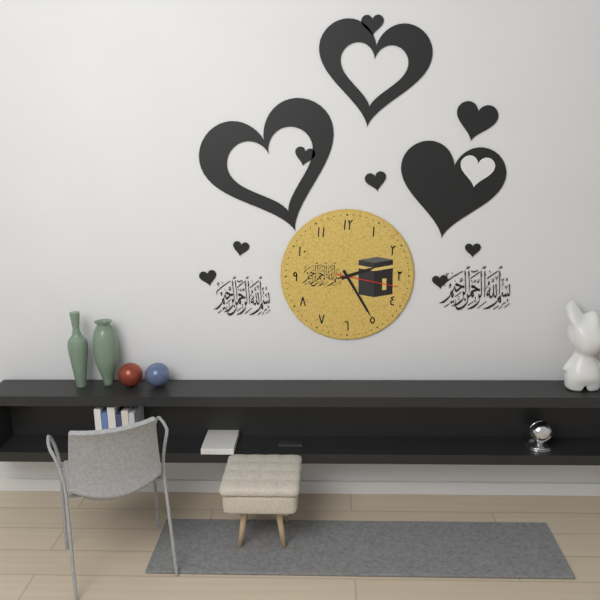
2:25:17
